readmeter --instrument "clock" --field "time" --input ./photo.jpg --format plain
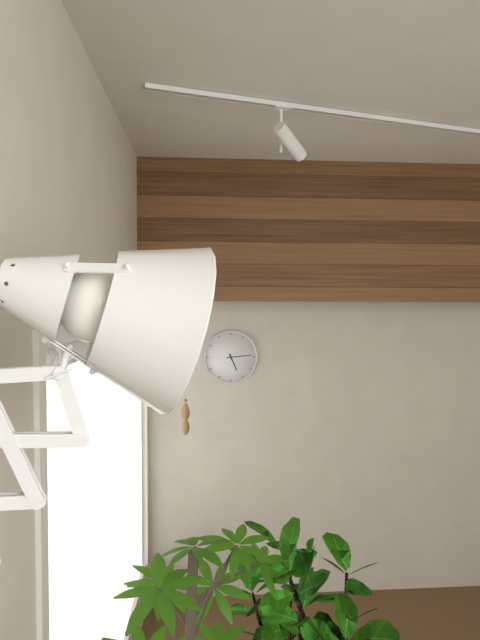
5:14
